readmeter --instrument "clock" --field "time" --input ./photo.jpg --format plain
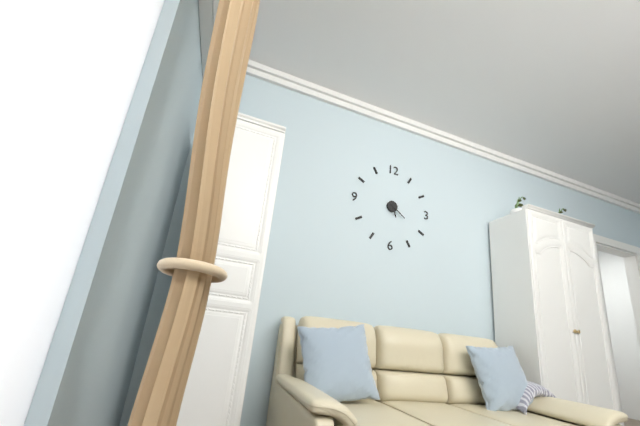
5:21
